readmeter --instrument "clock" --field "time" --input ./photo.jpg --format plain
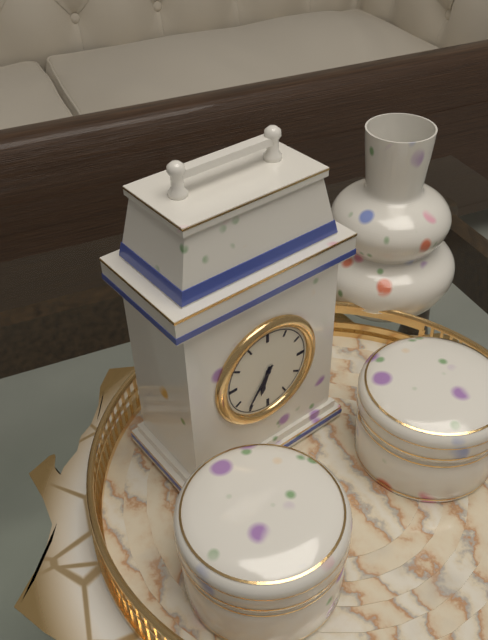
6:36
